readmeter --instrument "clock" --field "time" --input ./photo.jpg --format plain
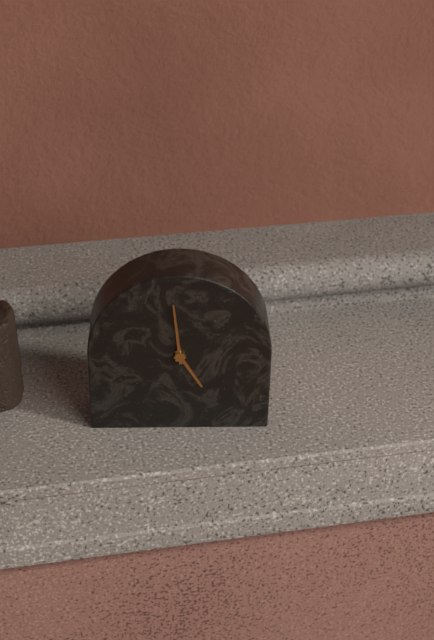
4:59
